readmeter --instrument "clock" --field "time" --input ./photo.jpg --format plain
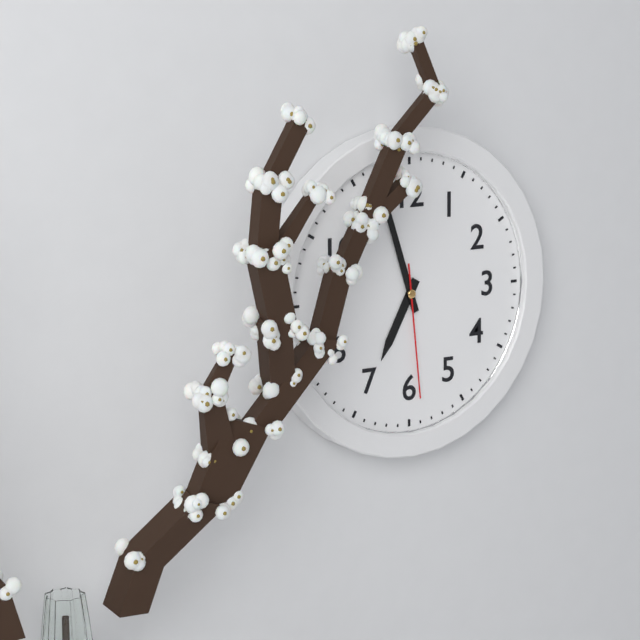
6:57:29
